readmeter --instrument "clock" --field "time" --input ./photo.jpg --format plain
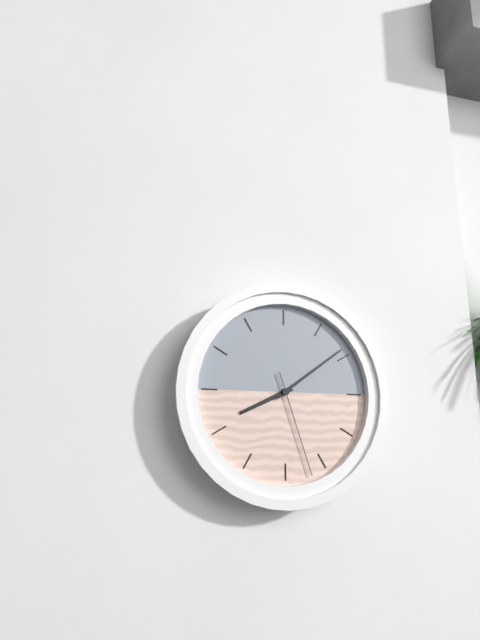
8:09:27
